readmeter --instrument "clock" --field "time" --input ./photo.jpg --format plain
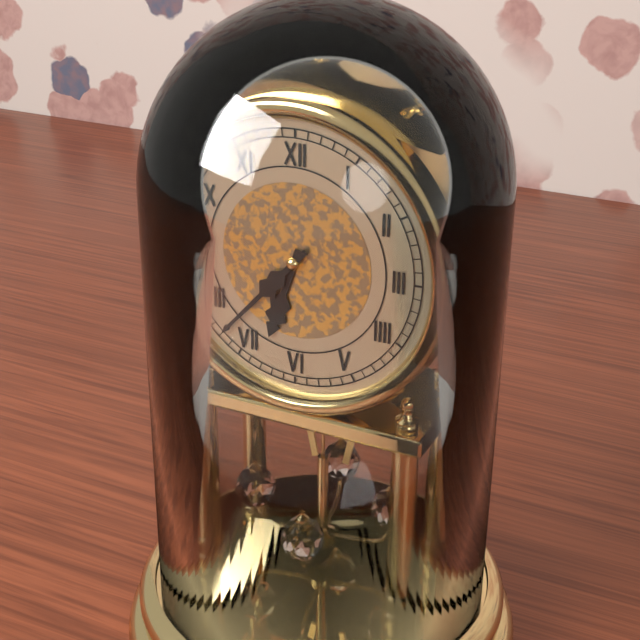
6:37
